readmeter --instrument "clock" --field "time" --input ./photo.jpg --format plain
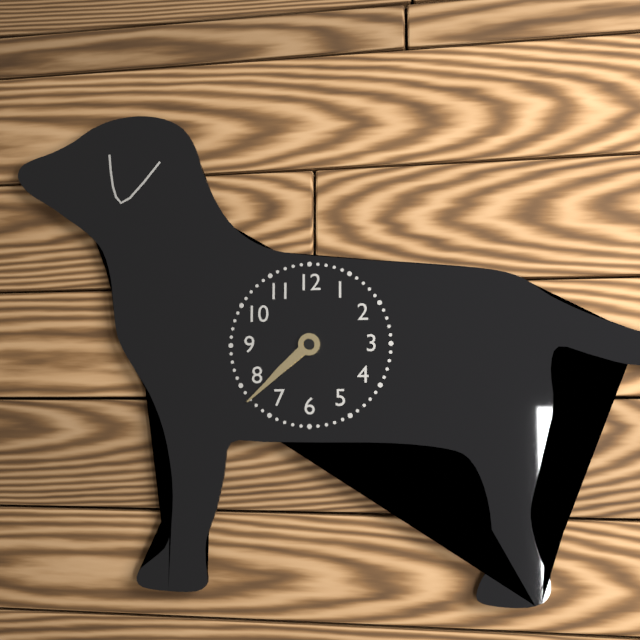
7:38
